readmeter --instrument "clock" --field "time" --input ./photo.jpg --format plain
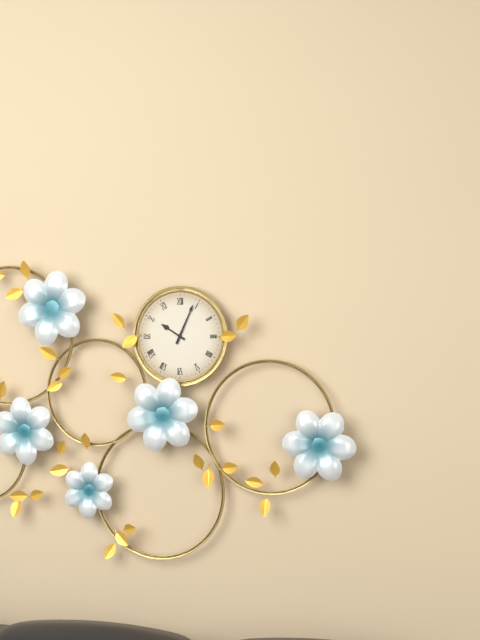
10:04
